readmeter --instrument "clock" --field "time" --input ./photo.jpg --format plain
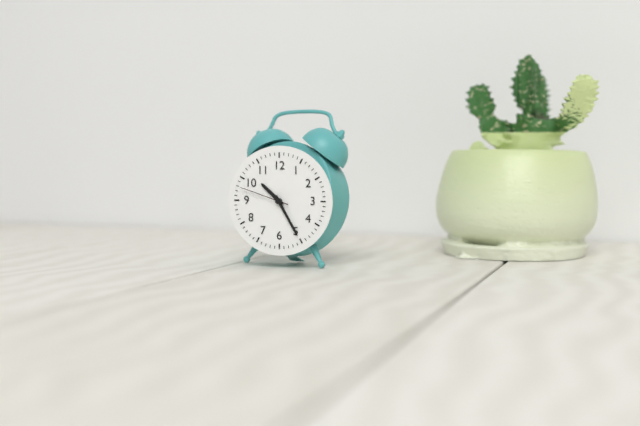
10:25:48
